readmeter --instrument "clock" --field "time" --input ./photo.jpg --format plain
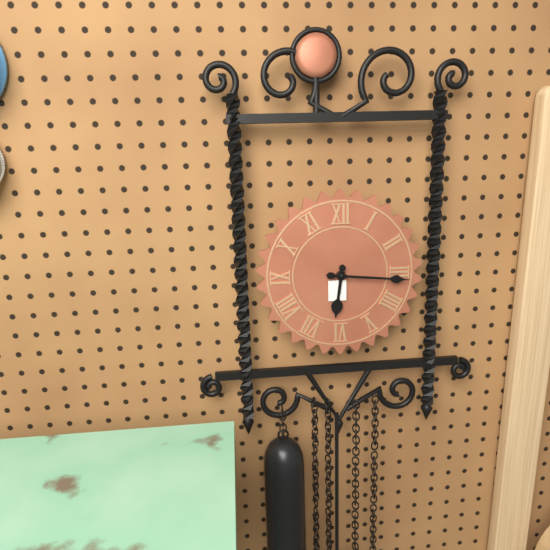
6:16
